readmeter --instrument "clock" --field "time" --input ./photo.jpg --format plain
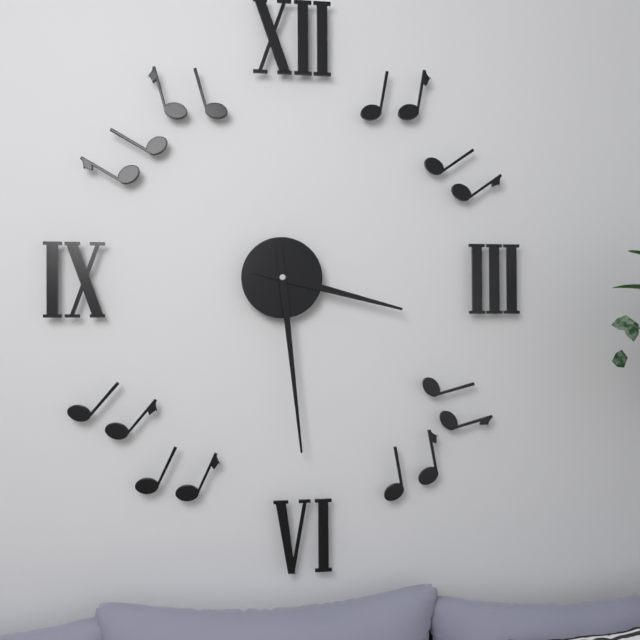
3:29
